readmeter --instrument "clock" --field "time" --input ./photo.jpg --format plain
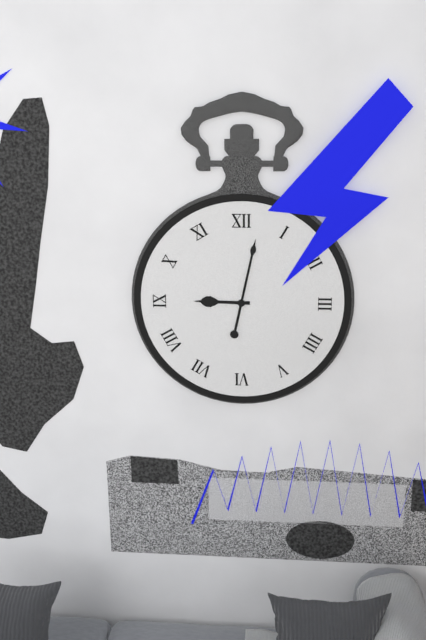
9:02
